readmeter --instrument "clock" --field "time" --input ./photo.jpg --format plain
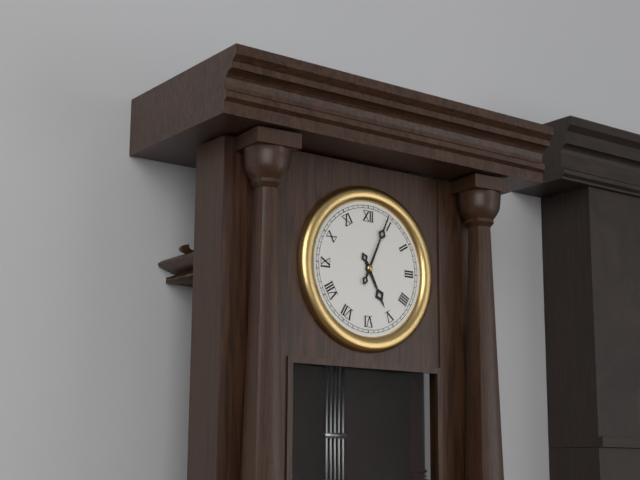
5:04
